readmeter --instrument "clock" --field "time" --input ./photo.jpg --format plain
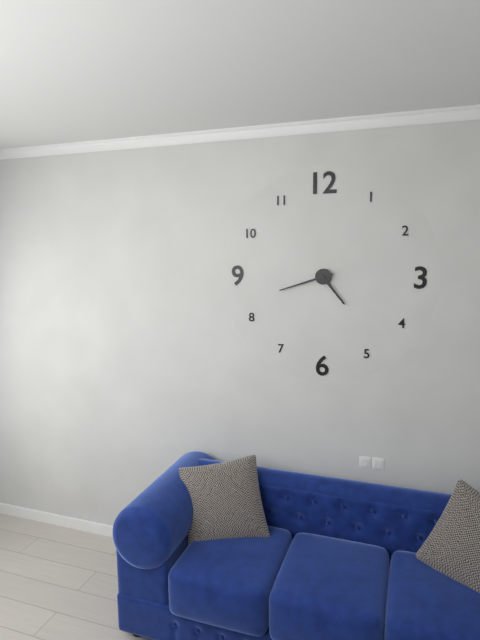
4:42
